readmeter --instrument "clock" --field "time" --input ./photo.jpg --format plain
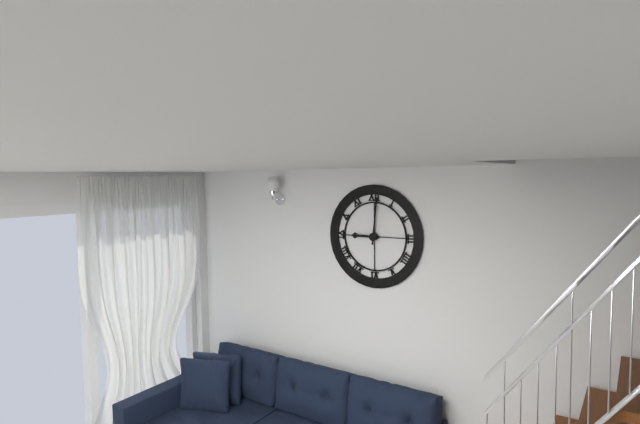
9:01
